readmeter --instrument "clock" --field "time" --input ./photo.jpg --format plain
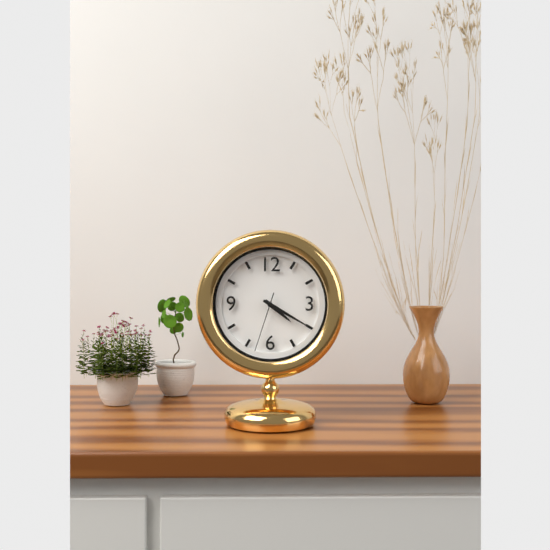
4:20:33
